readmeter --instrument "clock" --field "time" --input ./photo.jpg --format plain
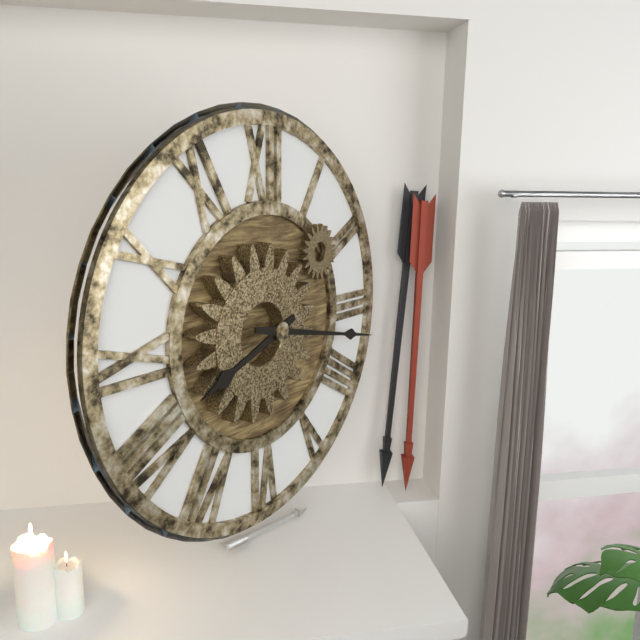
8:17
